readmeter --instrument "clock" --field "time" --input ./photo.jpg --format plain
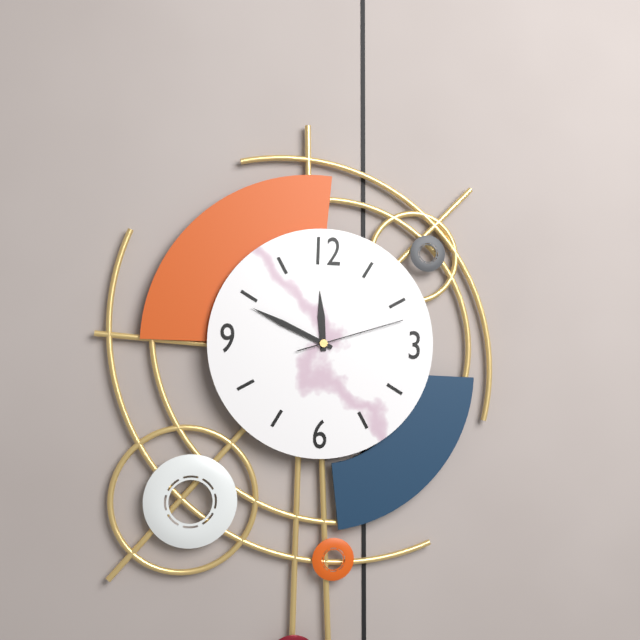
11:49:12
